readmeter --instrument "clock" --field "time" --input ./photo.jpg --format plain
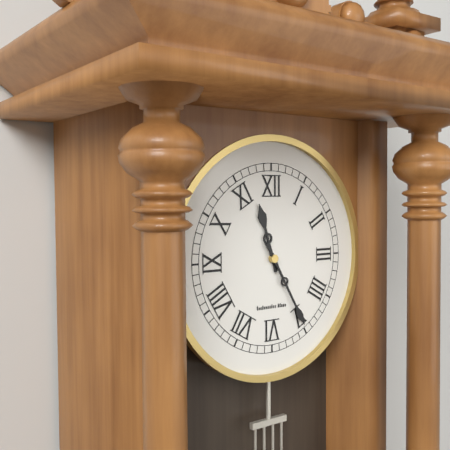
11:25
